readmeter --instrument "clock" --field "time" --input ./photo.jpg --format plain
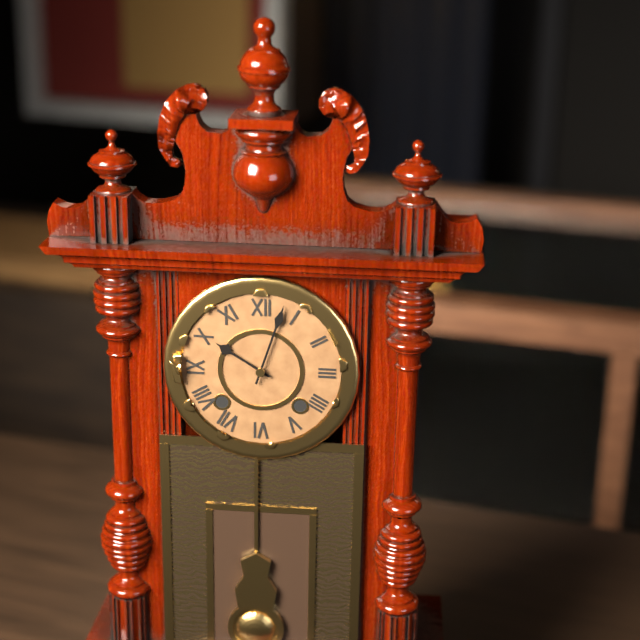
10:03
